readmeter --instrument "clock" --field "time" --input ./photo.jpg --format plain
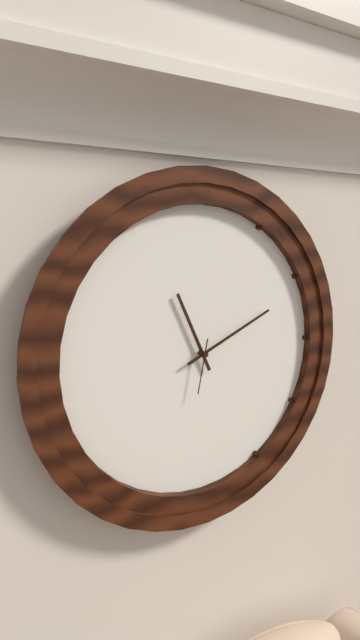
11:11:32
